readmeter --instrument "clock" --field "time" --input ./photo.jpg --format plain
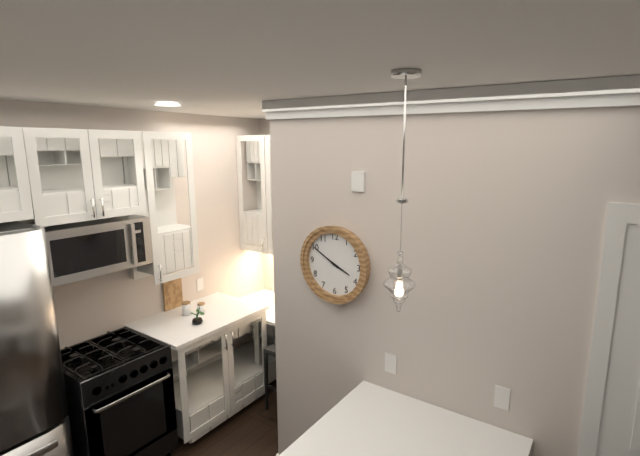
3:50
